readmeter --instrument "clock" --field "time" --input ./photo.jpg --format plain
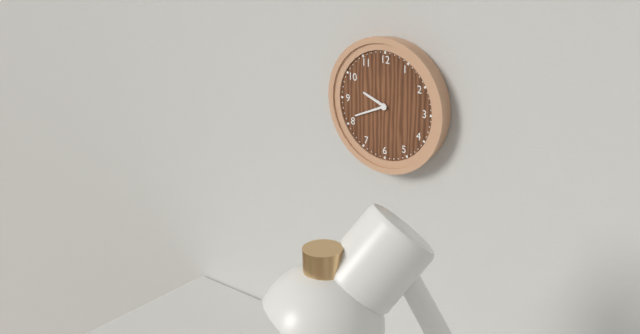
9:41
